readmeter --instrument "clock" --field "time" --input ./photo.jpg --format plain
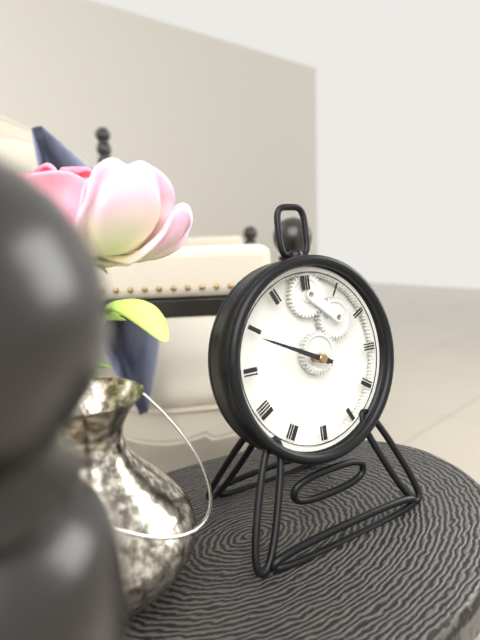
9:49
